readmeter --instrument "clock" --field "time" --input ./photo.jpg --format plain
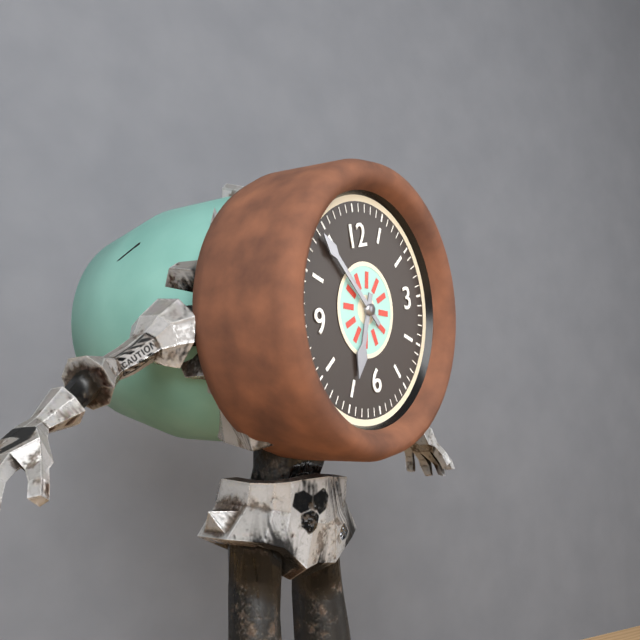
6:54
